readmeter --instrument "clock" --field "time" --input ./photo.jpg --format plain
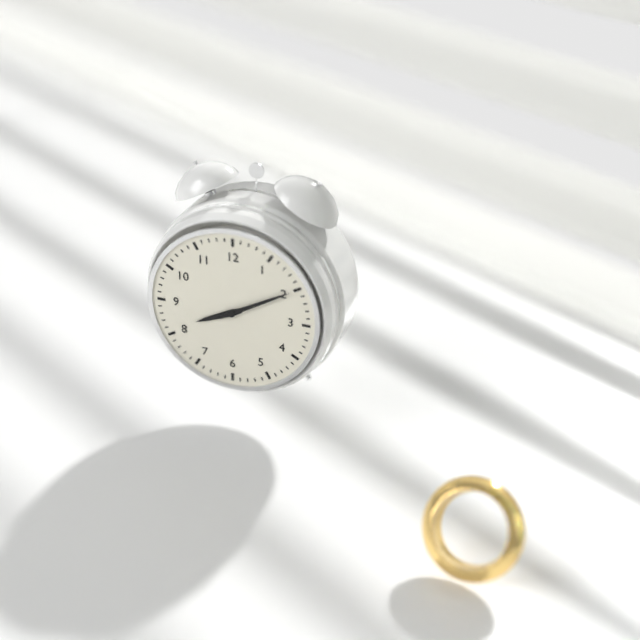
8:10
